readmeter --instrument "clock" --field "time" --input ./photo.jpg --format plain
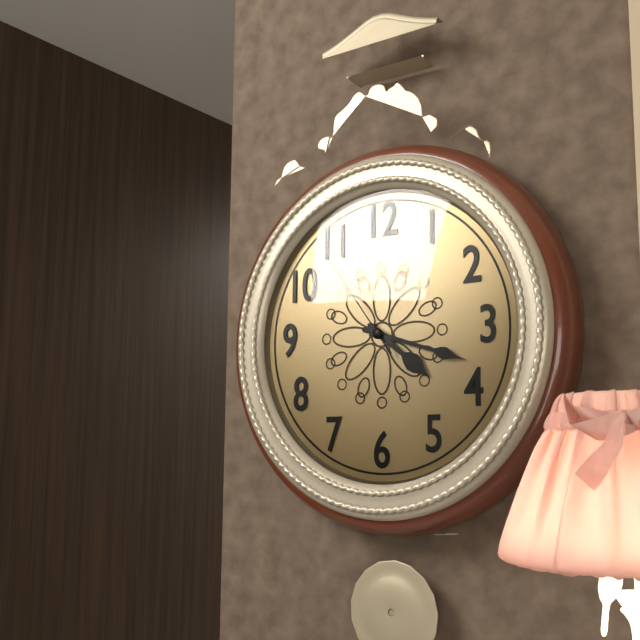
4:18:54
